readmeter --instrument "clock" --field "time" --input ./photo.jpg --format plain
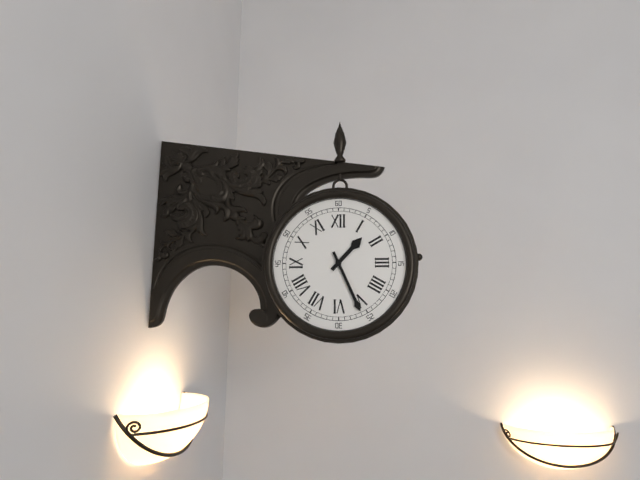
1:26
